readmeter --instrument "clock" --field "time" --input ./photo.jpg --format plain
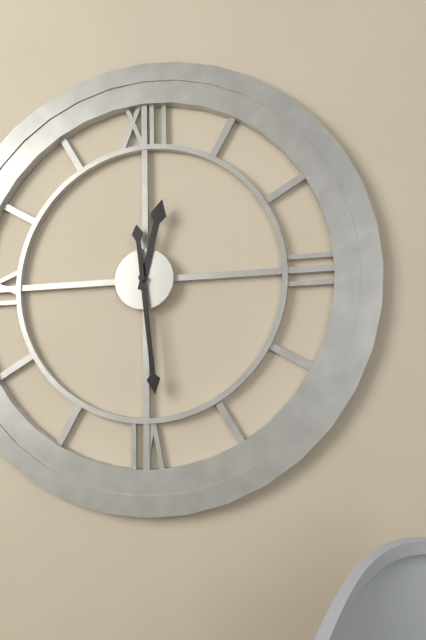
12:29
